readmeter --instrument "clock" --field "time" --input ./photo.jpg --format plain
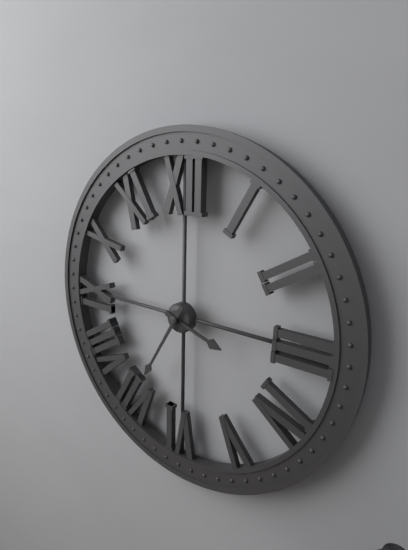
3:35
